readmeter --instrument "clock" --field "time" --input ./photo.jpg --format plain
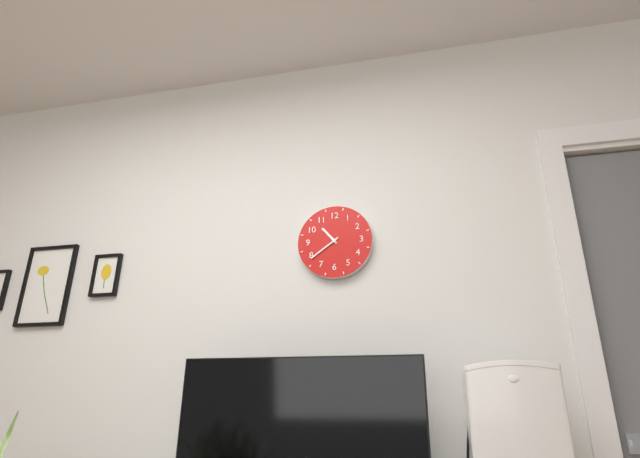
10:39
